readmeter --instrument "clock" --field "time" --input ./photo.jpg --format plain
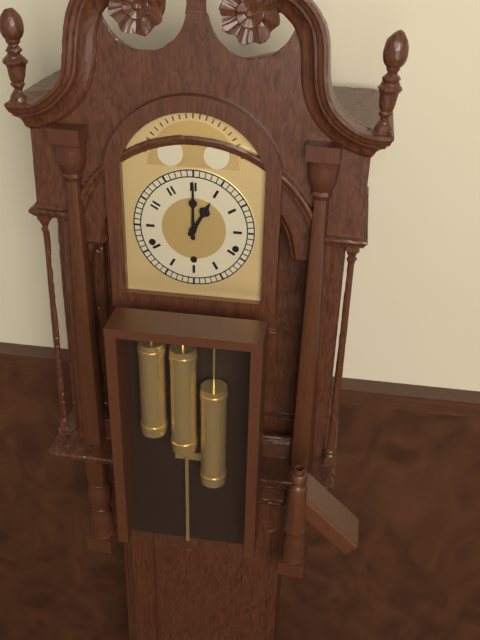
1:00
